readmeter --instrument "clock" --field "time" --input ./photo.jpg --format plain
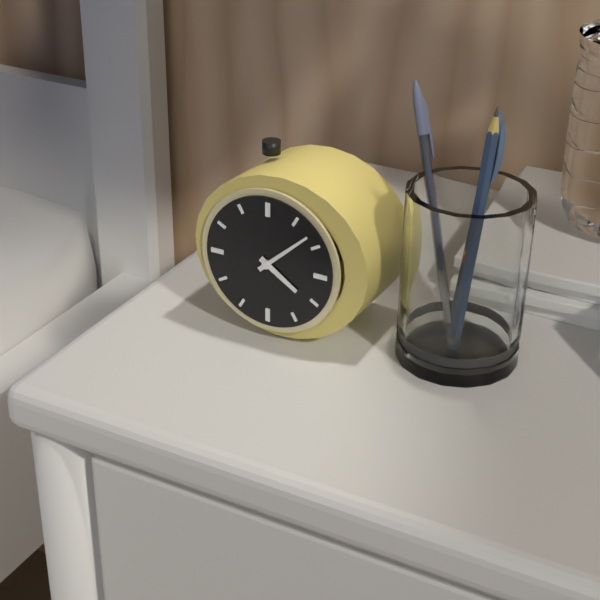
4:08
